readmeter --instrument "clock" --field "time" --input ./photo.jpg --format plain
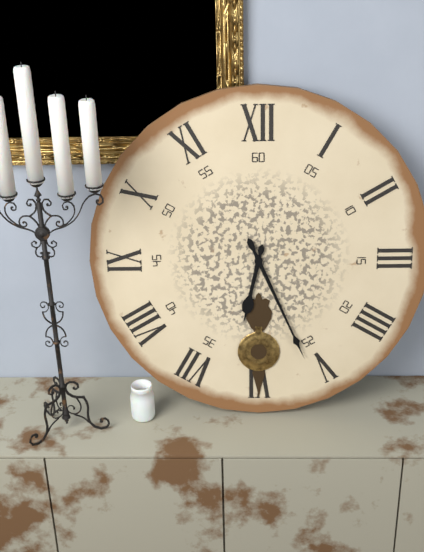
6:26
